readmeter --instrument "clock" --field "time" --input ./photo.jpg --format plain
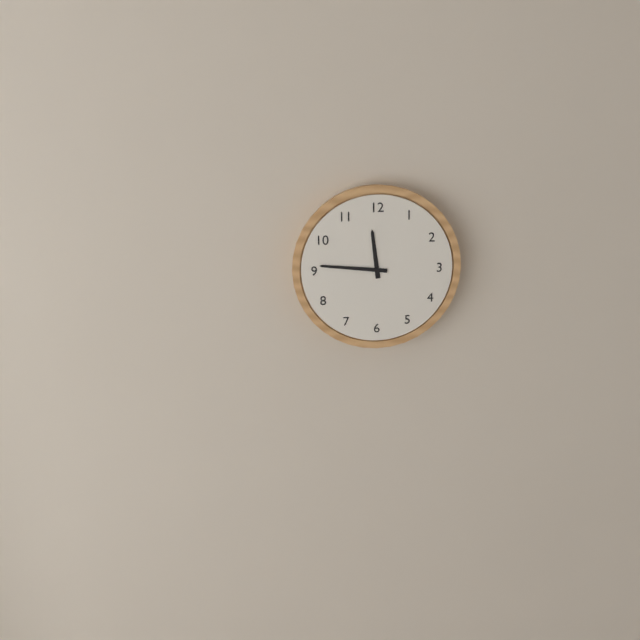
11:46
